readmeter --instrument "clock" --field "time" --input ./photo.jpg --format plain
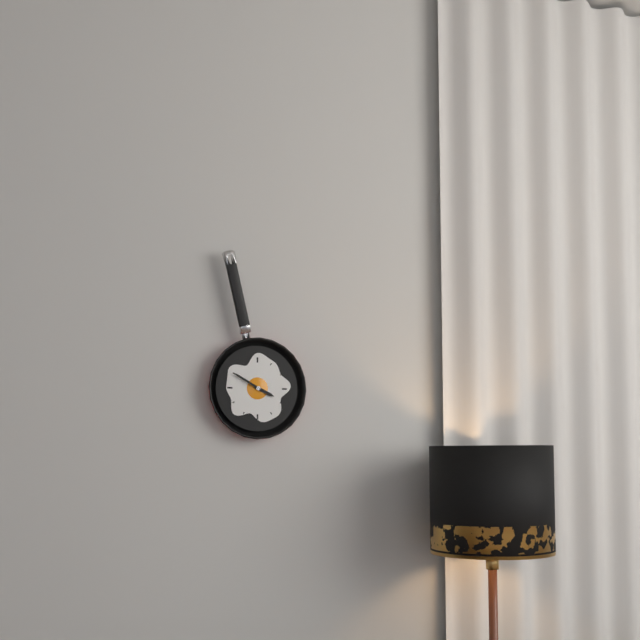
3:50
